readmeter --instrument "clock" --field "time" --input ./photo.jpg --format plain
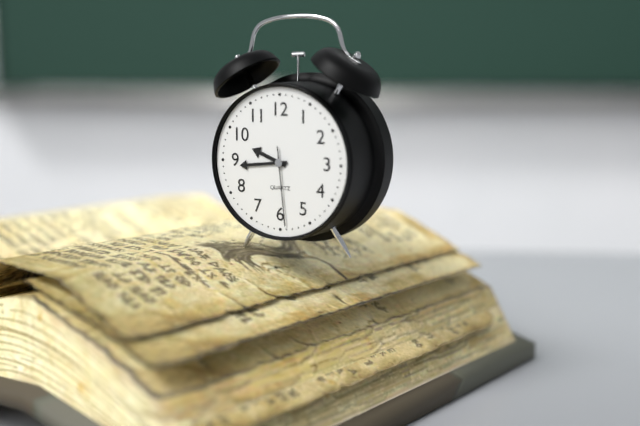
9:44:29
